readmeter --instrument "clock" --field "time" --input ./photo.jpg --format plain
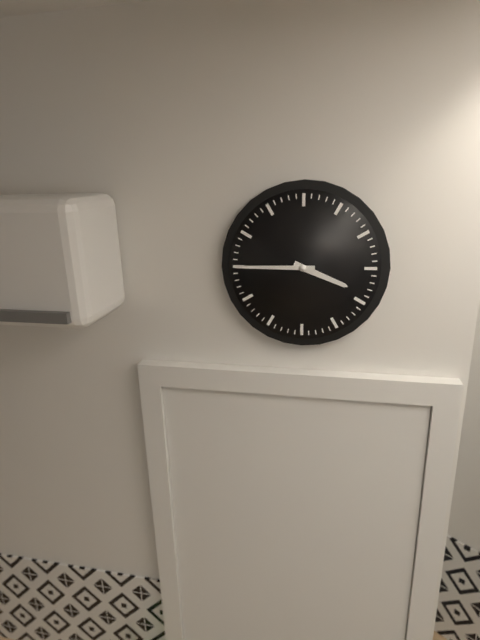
3:45
